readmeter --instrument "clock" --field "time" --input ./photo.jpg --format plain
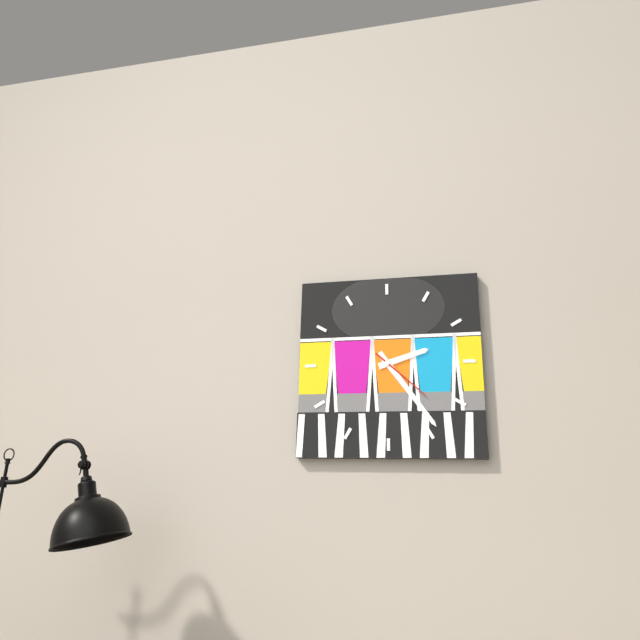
2:24:22
